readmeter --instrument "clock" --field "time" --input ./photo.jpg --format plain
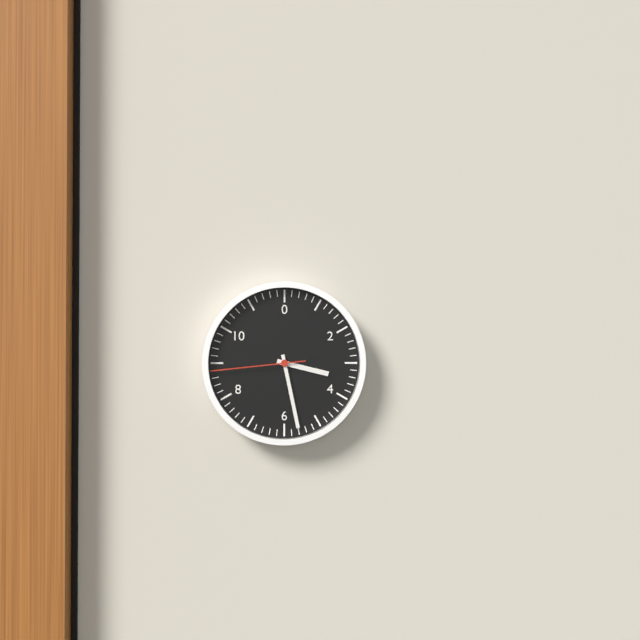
3:28:44
